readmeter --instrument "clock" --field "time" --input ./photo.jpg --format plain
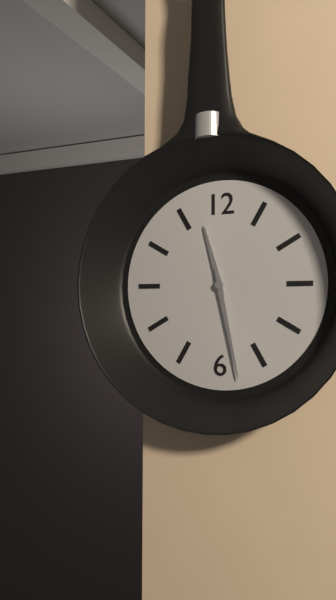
11:28
